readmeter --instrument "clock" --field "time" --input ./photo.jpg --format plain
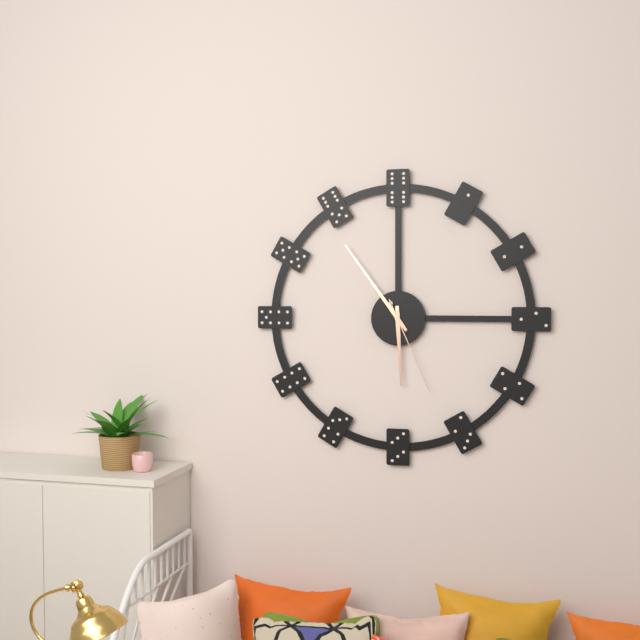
5:54:26
